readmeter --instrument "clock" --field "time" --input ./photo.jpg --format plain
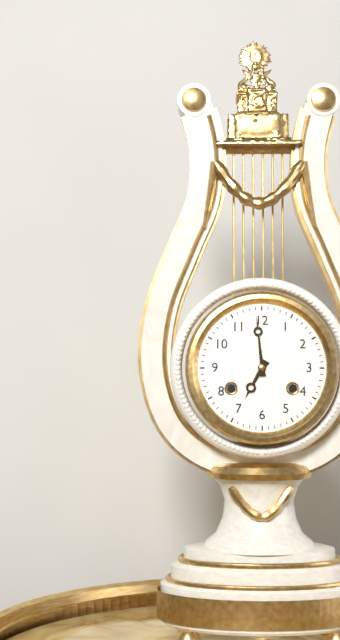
6:59
